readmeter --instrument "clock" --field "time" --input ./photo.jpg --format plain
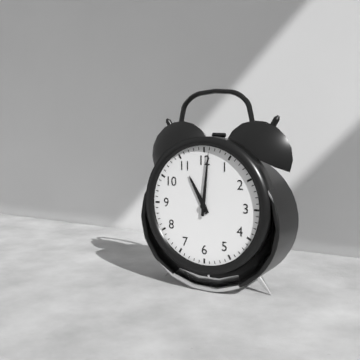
11:01
